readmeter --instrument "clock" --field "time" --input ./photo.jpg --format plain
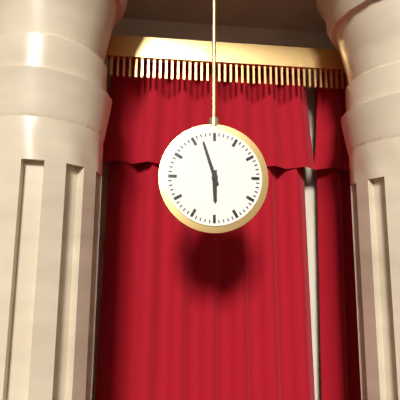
5:57
